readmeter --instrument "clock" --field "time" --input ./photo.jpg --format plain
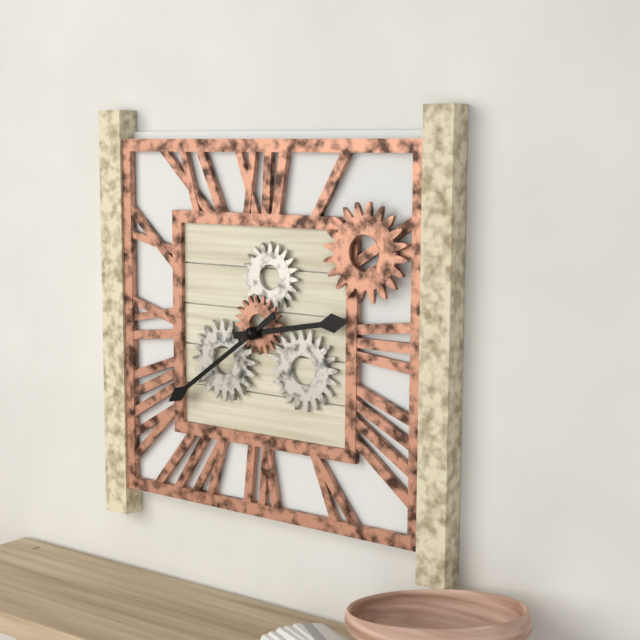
2:39
